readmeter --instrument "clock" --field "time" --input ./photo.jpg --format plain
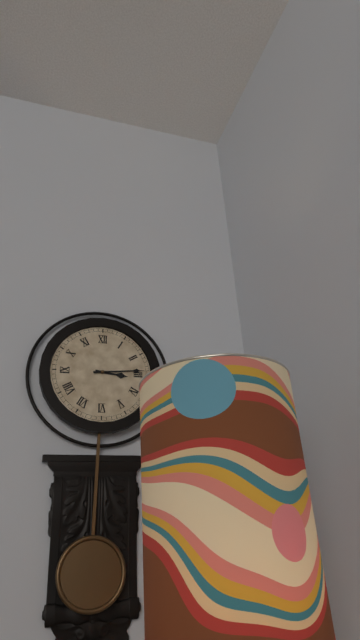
3:14
